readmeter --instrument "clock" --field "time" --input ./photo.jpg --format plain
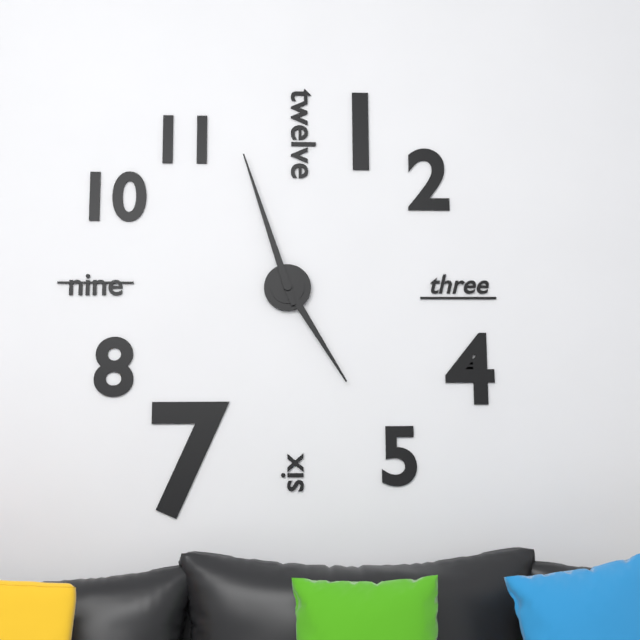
4:57
